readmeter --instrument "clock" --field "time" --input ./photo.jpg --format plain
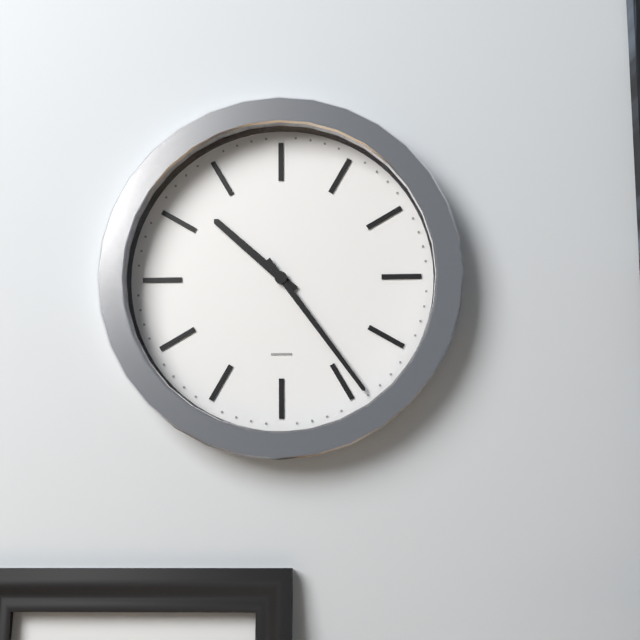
10:24
